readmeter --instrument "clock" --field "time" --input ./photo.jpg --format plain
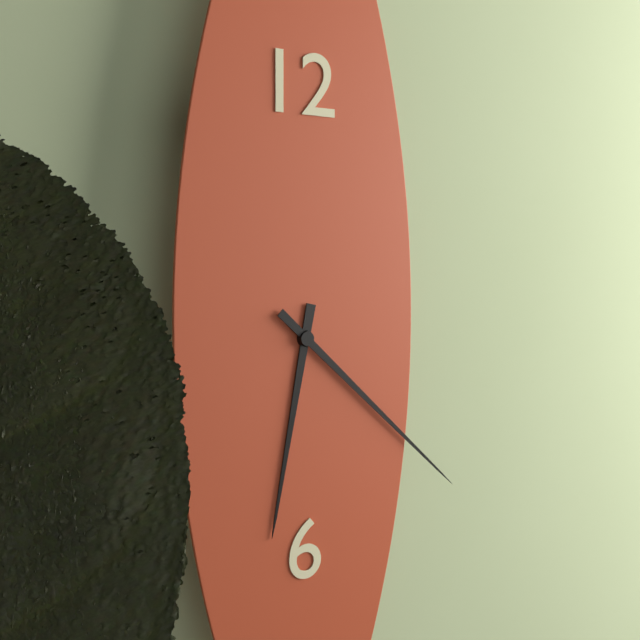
6:22
